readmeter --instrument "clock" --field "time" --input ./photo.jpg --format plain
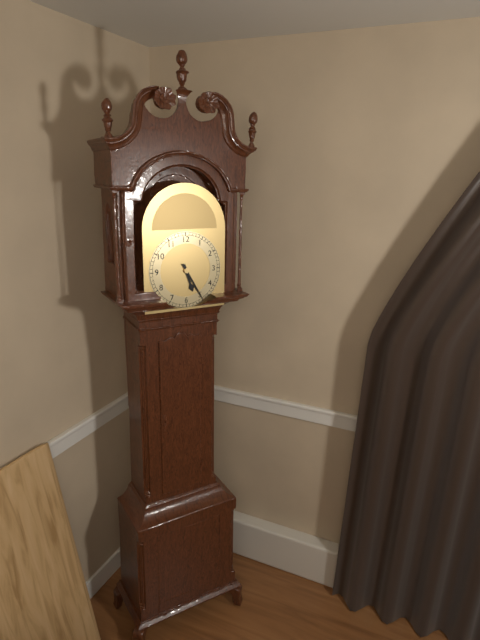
5:25
